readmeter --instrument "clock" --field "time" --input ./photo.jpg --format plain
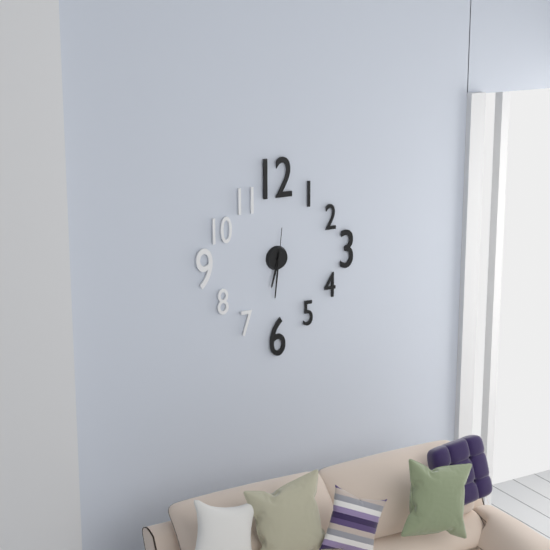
6:31
